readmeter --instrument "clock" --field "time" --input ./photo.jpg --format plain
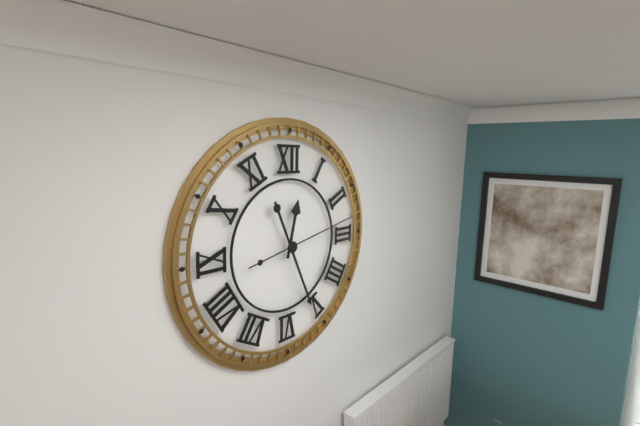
12:26:13
